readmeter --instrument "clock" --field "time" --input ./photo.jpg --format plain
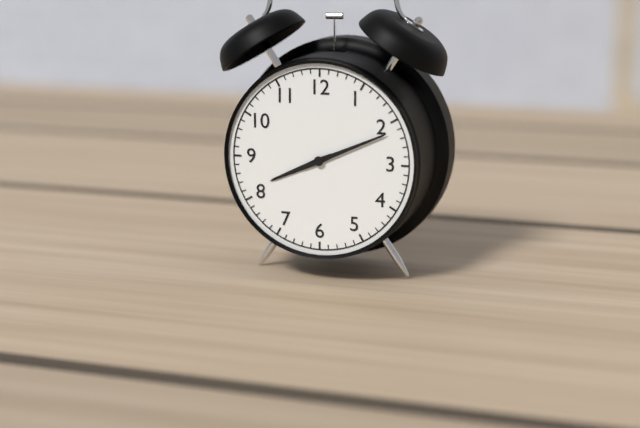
8:11
